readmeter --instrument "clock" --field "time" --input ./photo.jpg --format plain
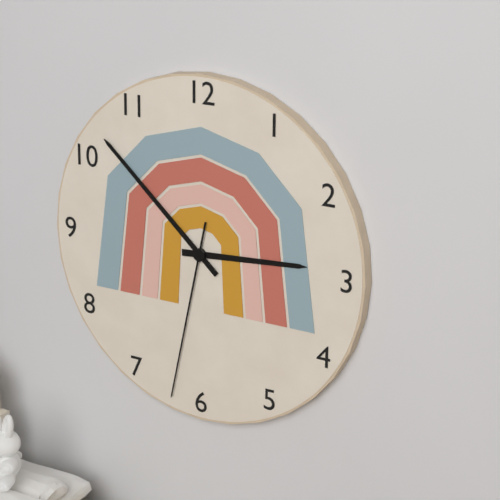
2:52:32
